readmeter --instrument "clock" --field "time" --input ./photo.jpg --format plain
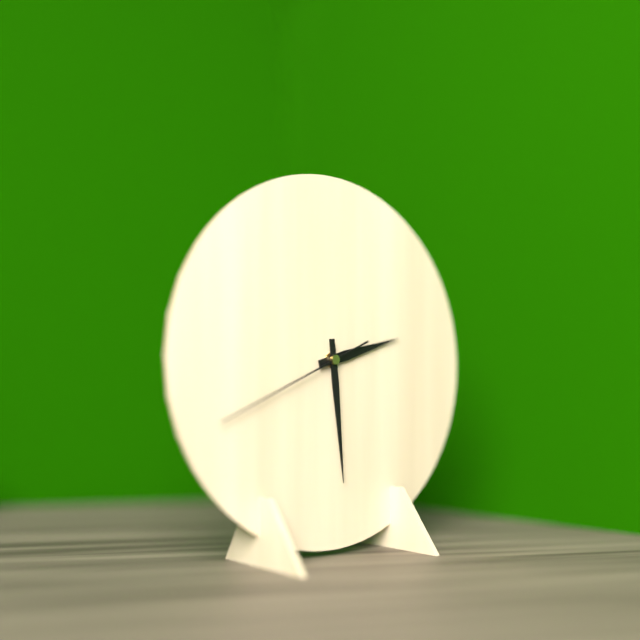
2:29:41
